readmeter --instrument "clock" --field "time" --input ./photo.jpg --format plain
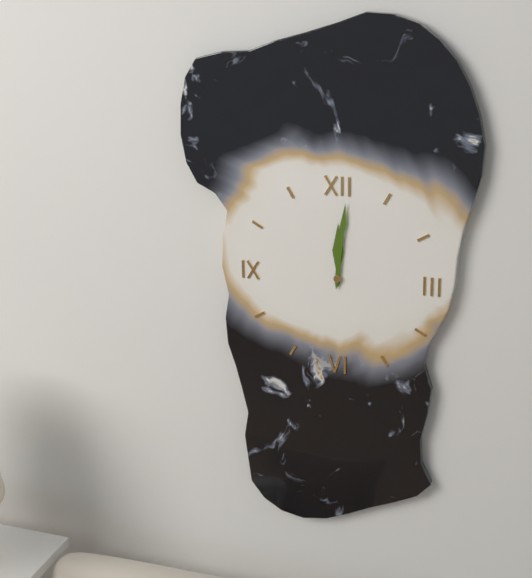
12:01
